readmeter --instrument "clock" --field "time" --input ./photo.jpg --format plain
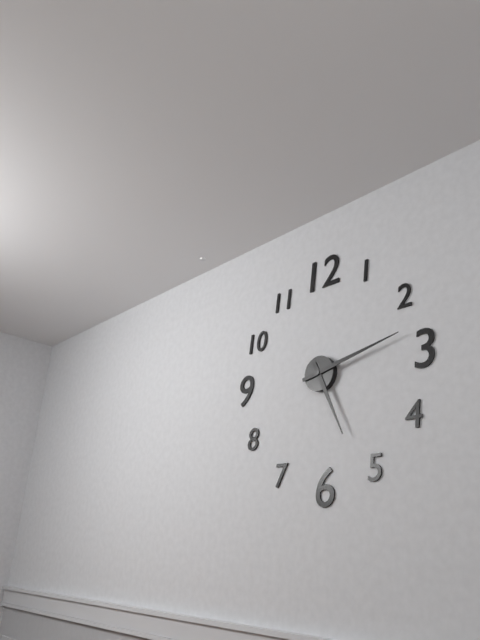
5:13
